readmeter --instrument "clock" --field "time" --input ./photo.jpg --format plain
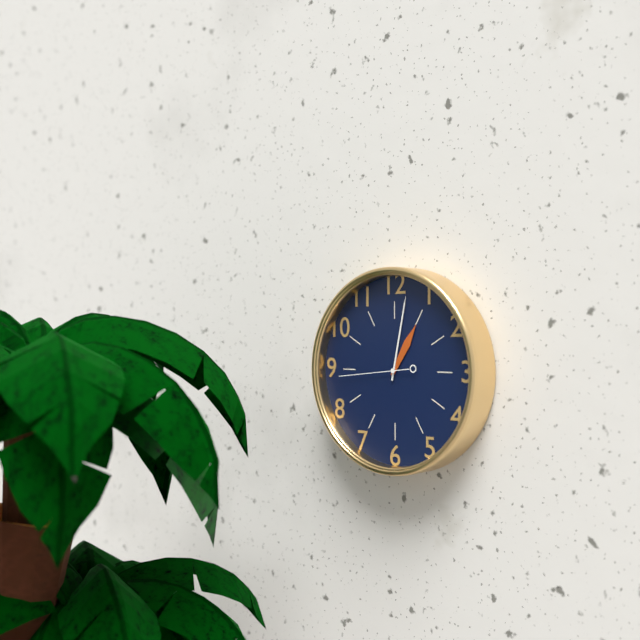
1:02:44
